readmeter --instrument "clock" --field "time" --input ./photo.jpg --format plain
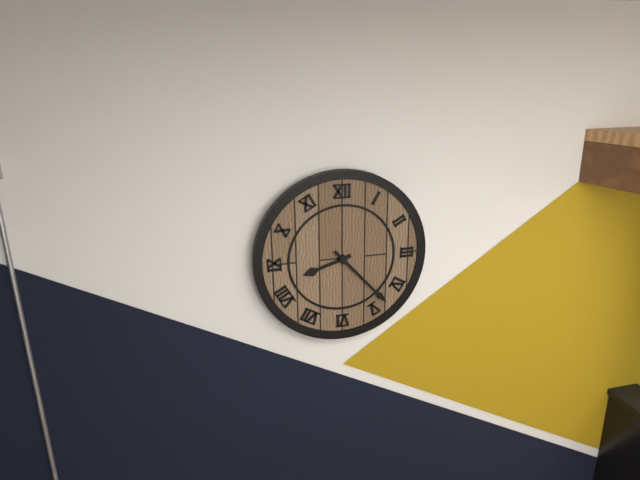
8:23
